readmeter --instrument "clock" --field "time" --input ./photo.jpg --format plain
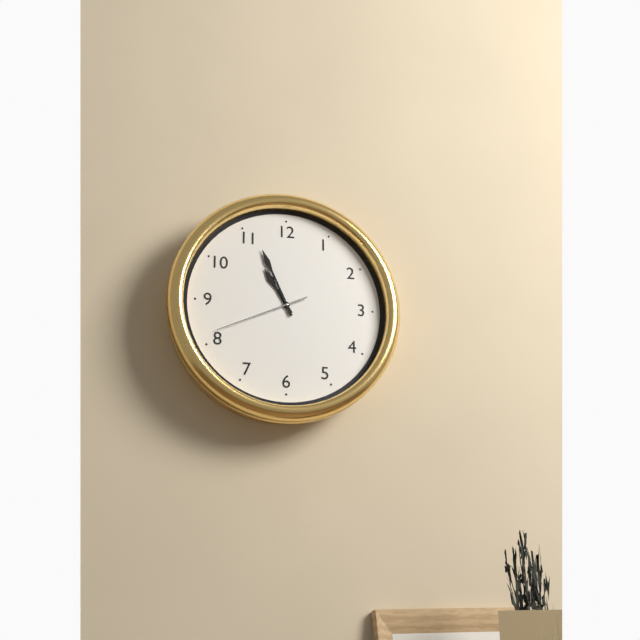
10:56:41
